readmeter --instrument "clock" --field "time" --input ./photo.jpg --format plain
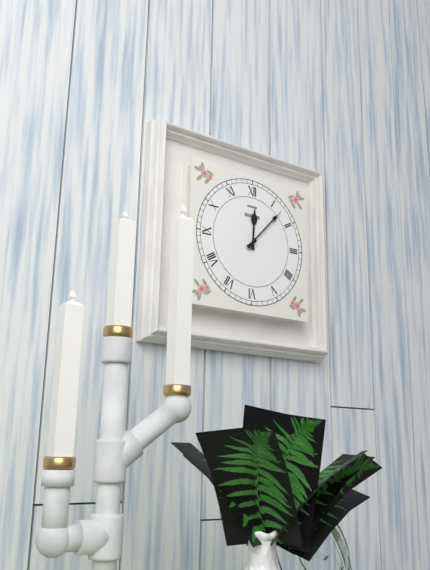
12:07
